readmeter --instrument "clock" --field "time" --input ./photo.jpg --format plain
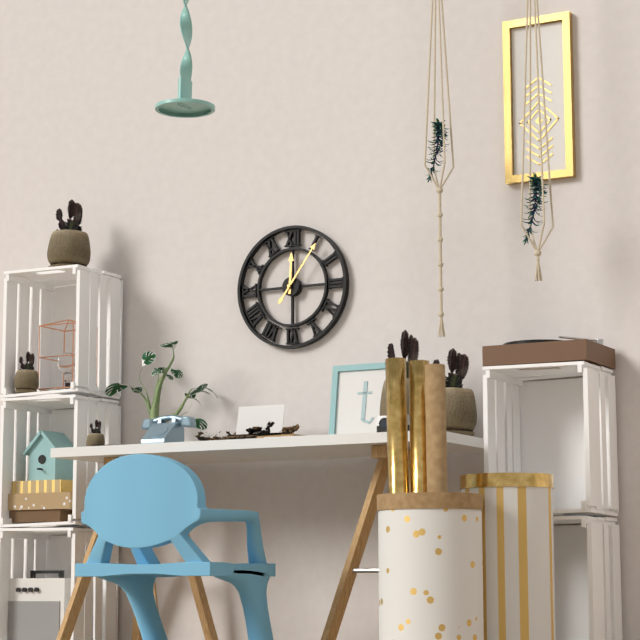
12:06
